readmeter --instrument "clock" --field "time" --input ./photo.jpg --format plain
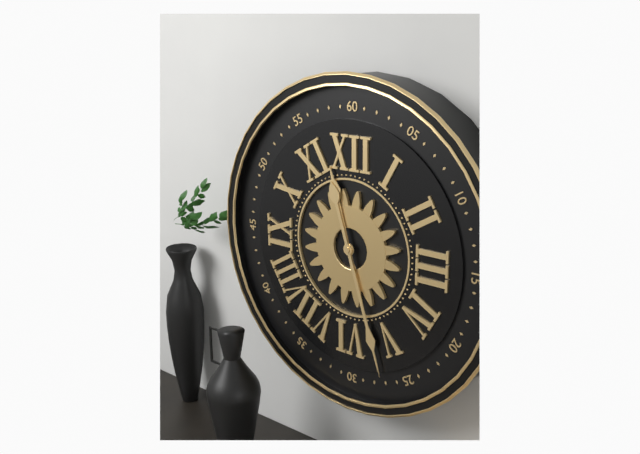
11:27
